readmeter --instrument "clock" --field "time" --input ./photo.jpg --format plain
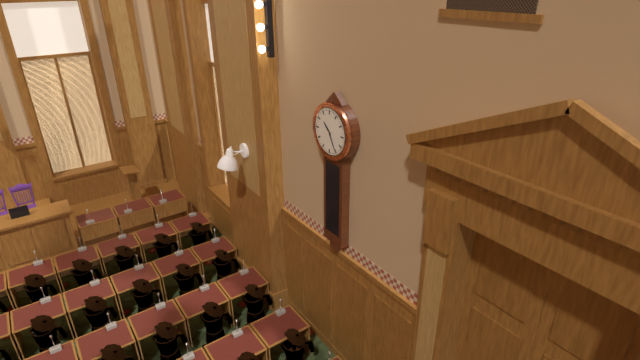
10:25
